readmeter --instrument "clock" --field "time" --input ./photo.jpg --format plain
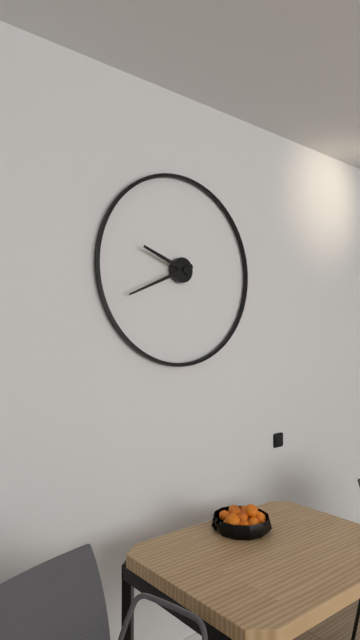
9:41
